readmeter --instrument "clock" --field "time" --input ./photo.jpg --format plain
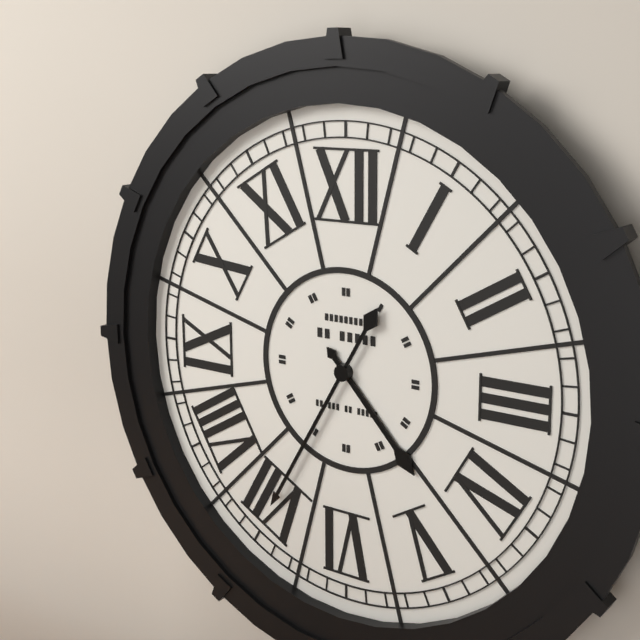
4:35
